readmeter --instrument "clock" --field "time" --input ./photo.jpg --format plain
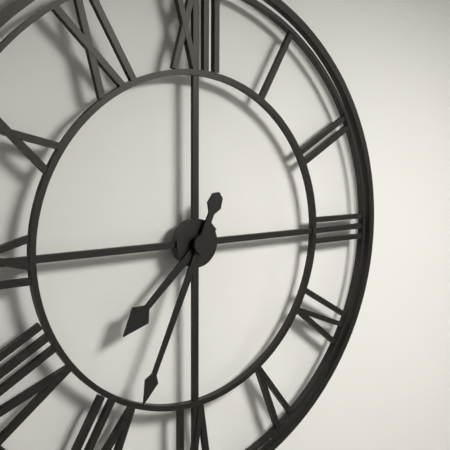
7:34
